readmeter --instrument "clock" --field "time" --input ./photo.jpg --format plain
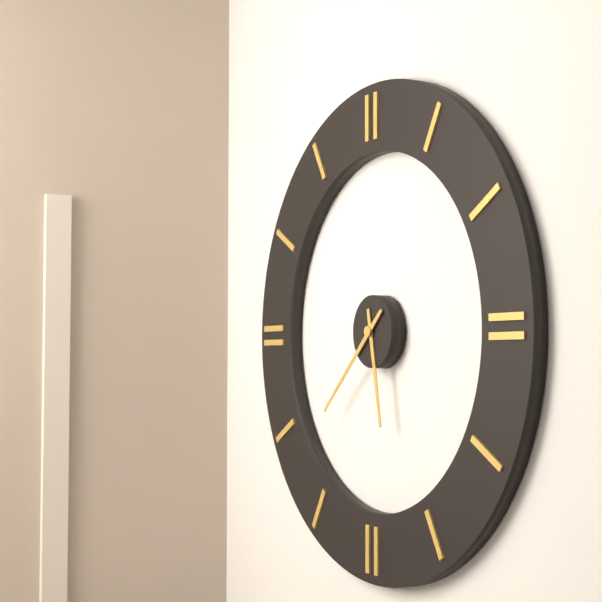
5:38
